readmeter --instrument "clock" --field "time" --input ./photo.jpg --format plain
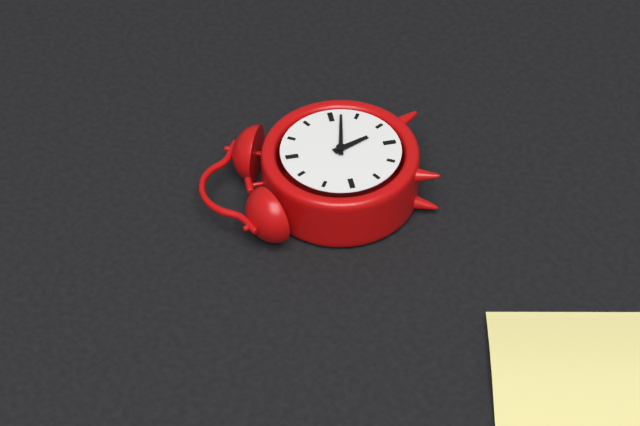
5:17
